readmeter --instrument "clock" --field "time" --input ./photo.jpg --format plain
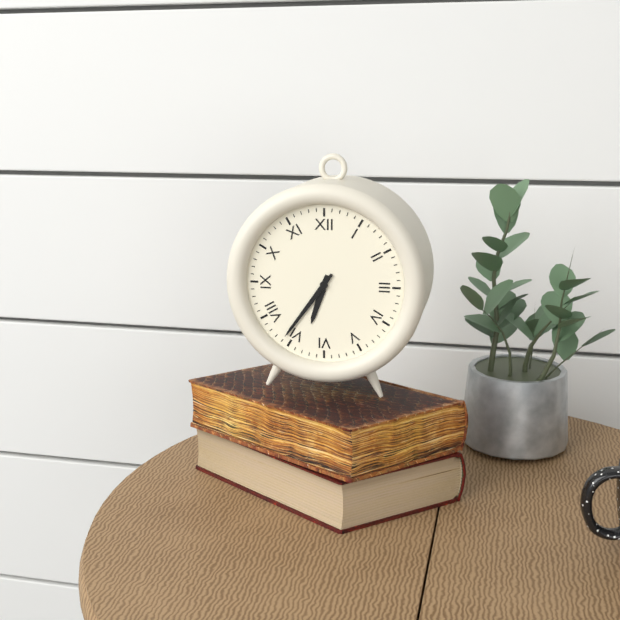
6:36
